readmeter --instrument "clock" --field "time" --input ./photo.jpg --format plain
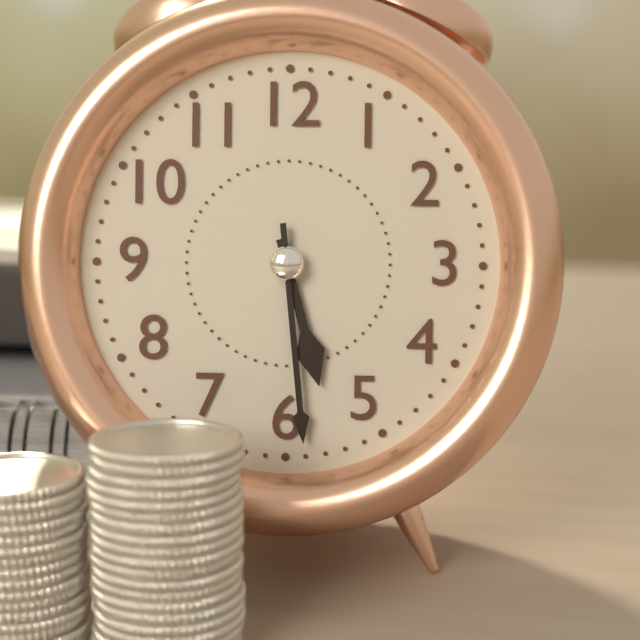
5:29
